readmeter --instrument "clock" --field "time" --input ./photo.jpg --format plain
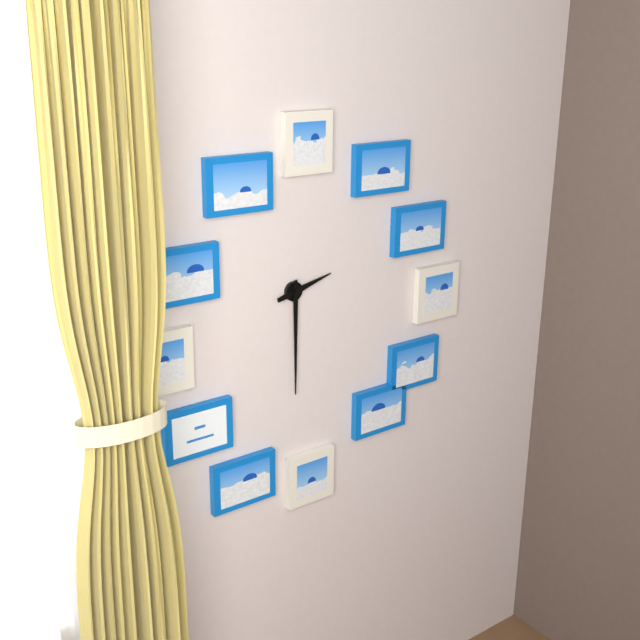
2:30
